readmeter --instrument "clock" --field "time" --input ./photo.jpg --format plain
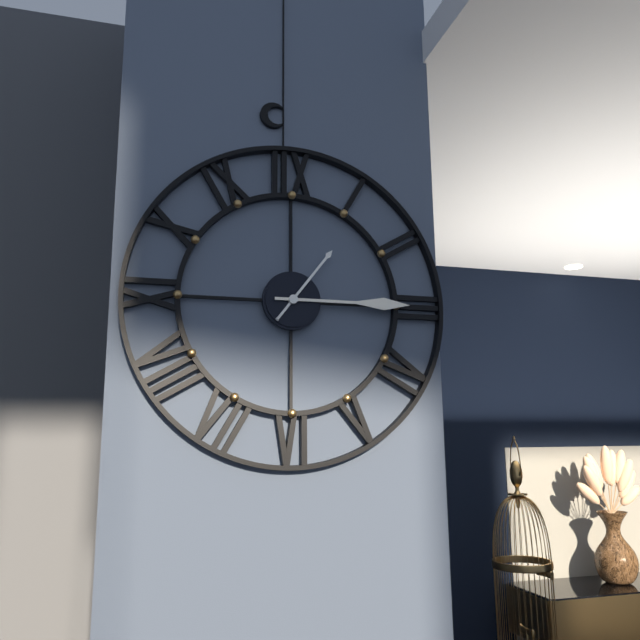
1:15
